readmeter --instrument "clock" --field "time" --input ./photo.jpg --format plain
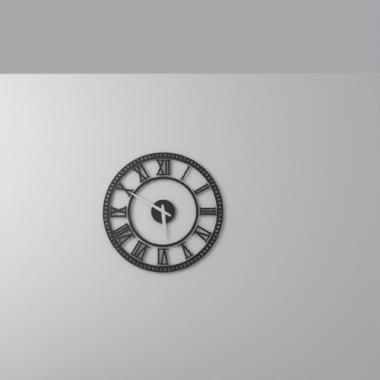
5:50
